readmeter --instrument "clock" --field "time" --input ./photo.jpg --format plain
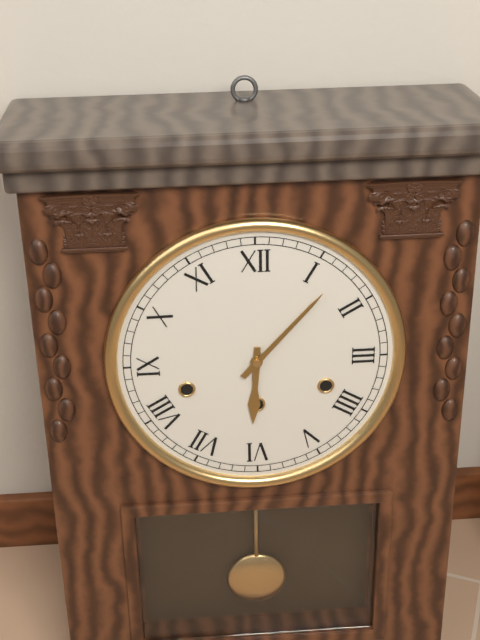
6:07
